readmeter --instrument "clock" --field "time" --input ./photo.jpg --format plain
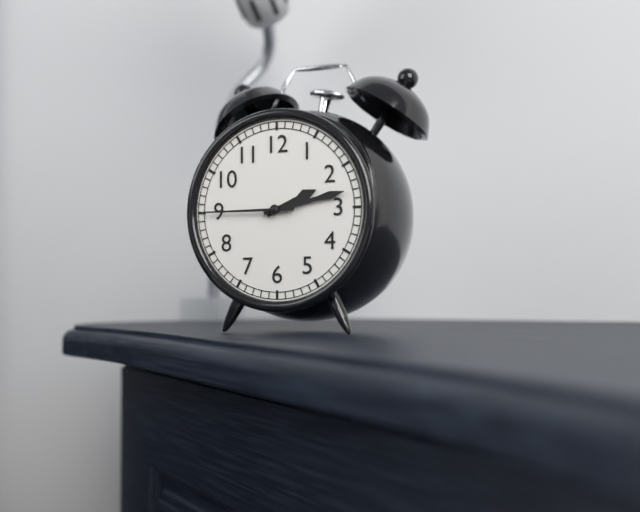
2:13:45
